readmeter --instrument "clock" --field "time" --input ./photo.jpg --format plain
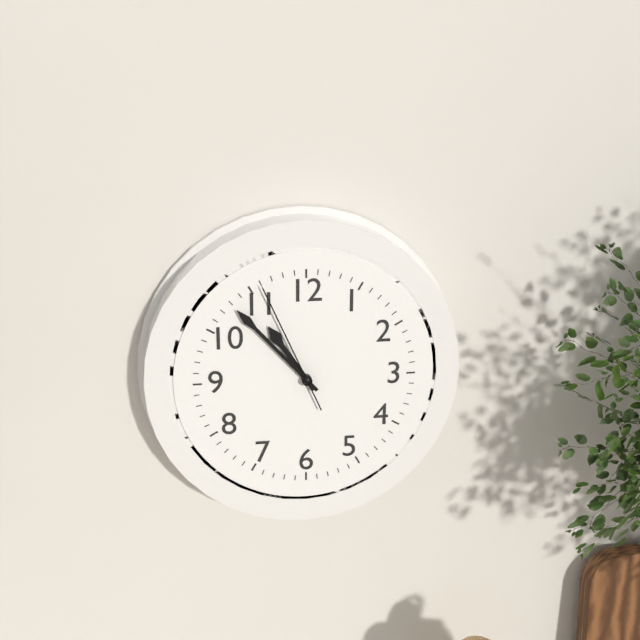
10:53:56
